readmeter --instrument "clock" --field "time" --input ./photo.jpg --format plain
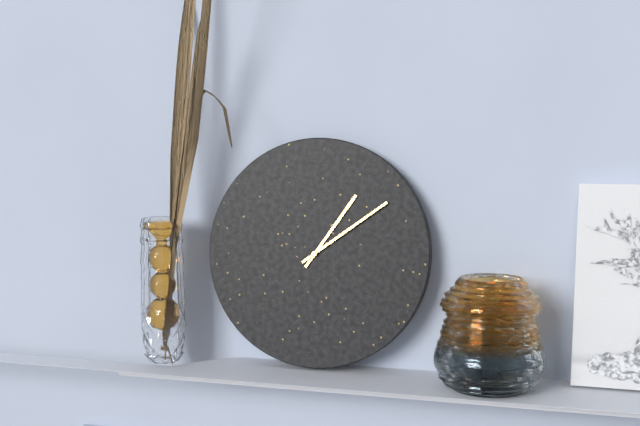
1:09
